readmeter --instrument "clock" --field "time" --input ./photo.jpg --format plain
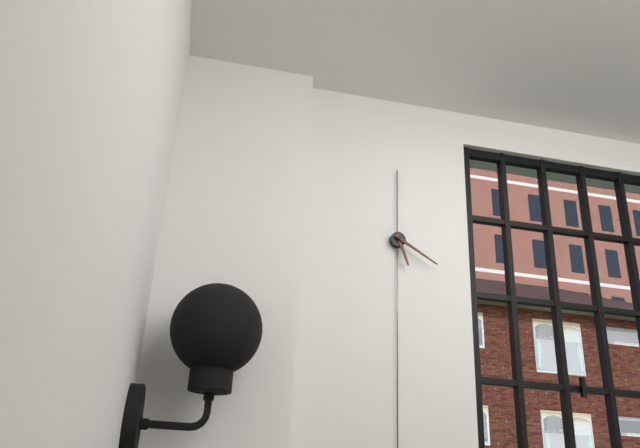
5:20
